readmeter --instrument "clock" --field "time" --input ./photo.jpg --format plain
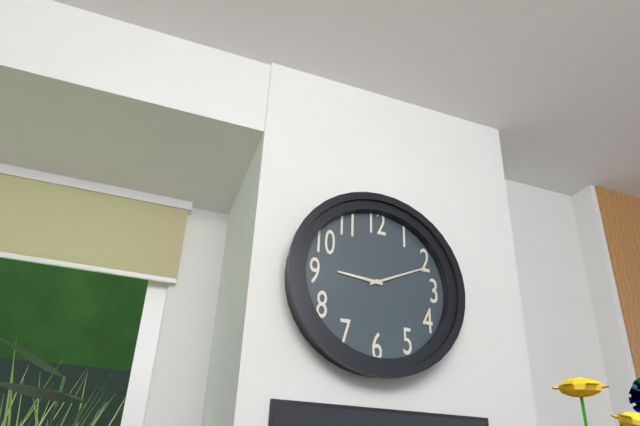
9:11
